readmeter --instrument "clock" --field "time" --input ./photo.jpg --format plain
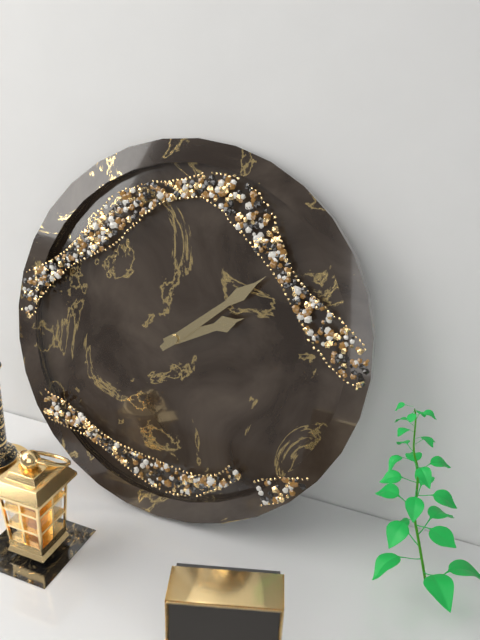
2:08
